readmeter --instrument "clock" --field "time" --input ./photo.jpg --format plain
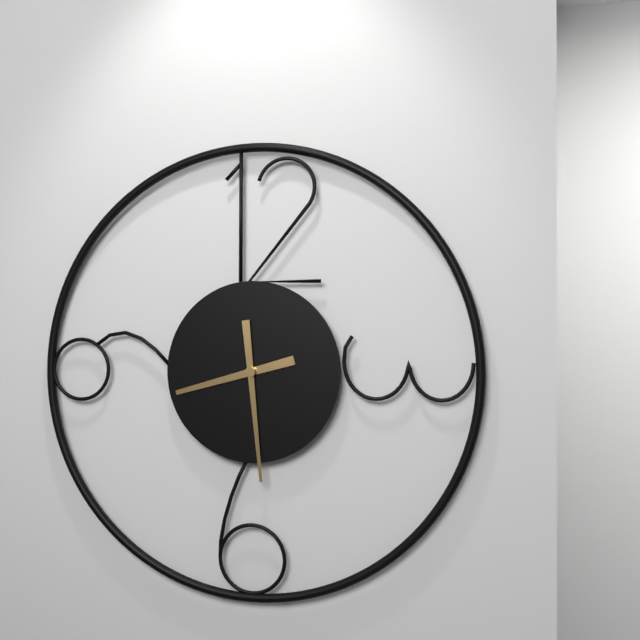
8:29
